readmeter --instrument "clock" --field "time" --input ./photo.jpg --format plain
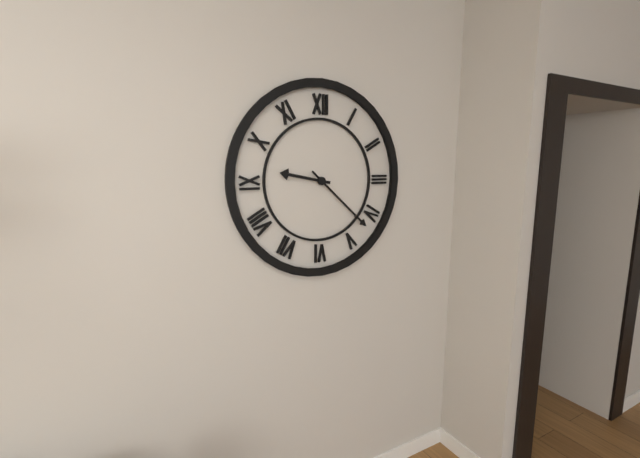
9:22
